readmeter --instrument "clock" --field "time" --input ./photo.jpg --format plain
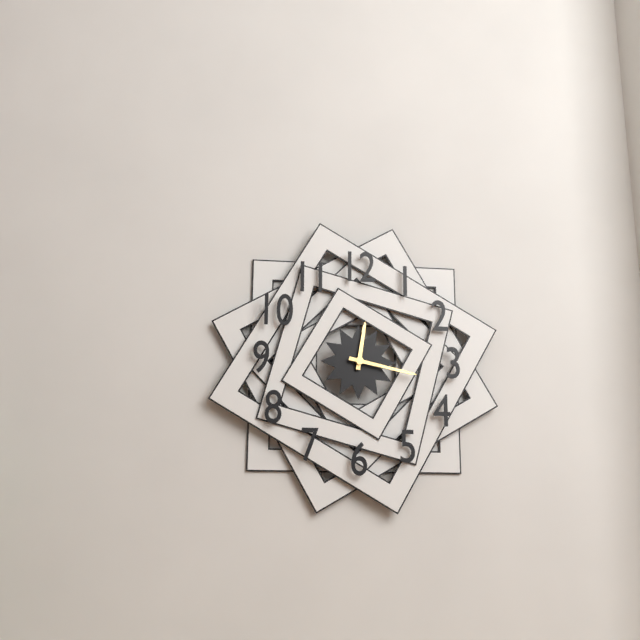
12:17
